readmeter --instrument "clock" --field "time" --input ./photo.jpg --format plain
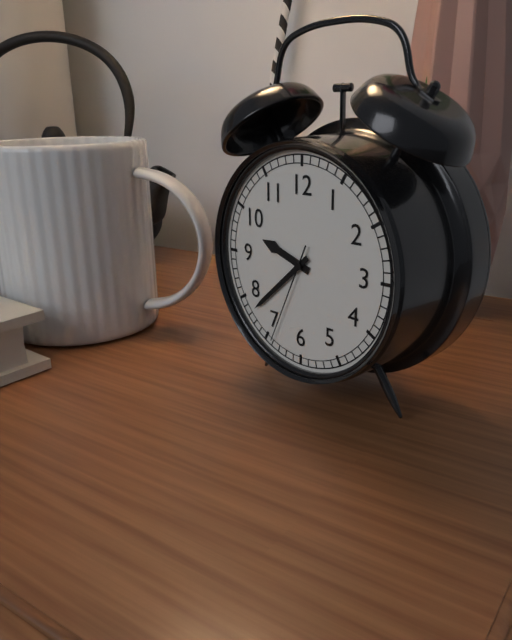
9:38:34
